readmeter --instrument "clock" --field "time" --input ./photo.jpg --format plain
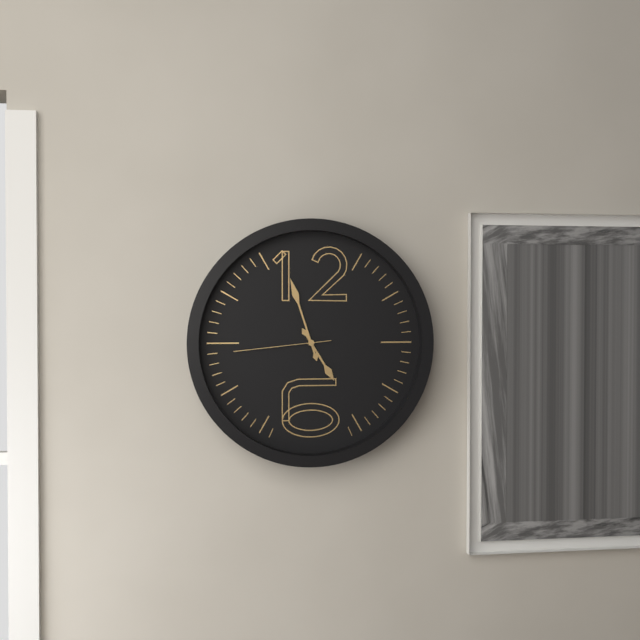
4:57:44
